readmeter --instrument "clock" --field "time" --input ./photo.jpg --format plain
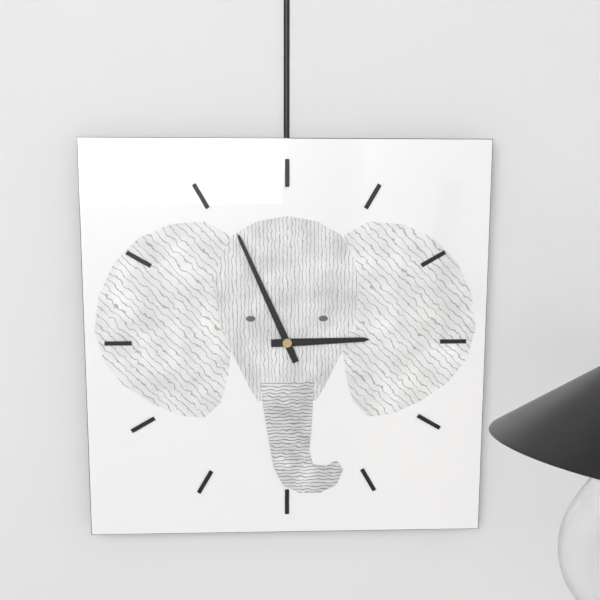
2:56
